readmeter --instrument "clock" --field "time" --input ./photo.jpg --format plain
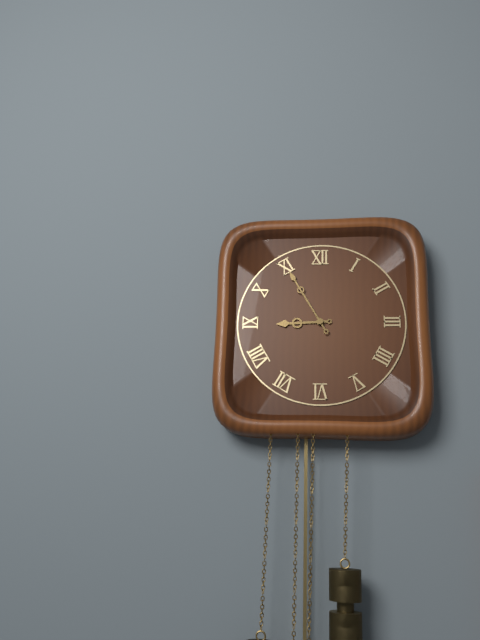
8:55
